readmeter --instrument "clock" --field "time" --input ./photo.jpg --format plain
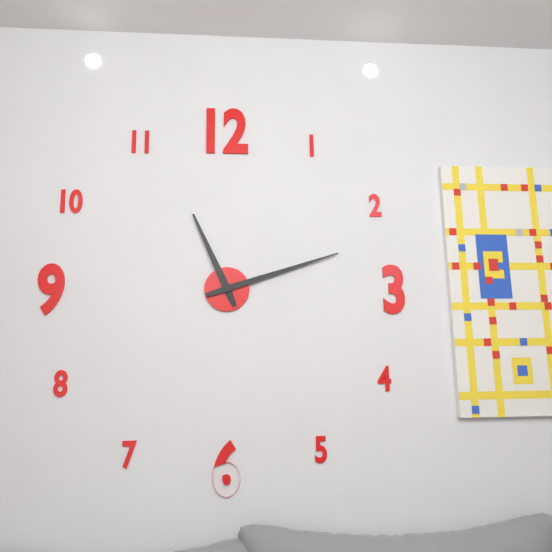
11:12
